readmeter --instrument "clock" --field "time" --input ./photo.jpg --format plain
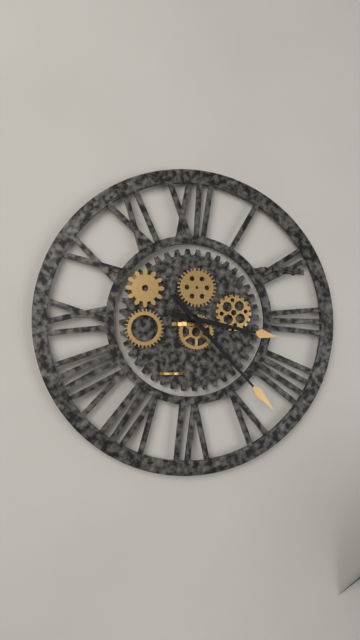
3:23
